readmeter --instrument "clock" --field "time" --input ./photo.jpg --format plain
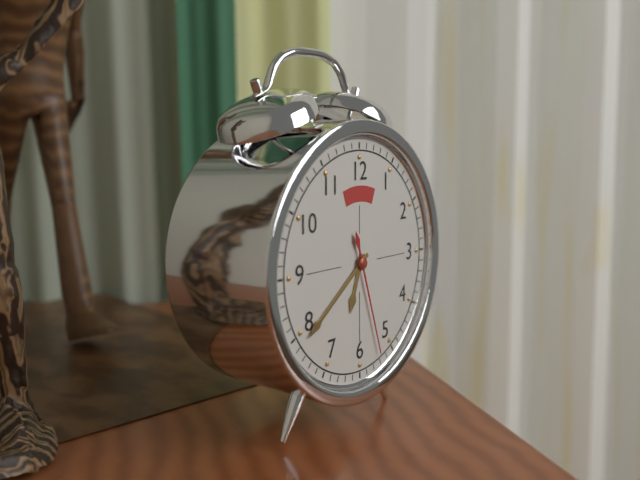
6:39:27
